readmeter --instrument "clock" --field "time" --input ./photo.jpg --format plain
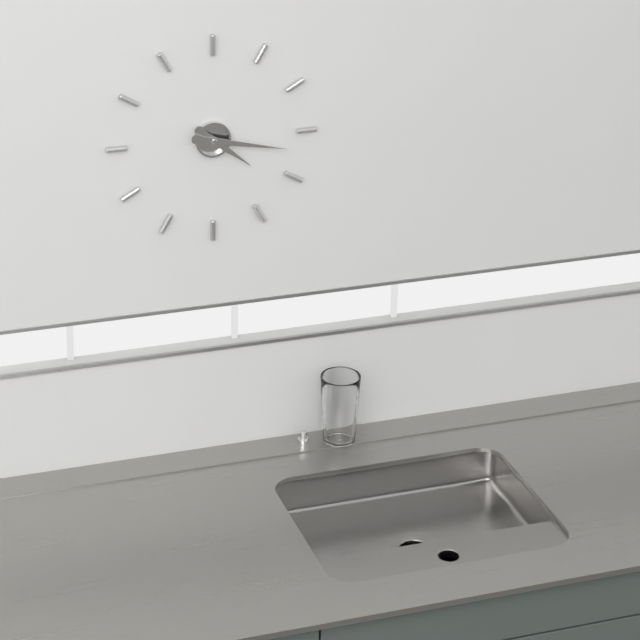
4:17
